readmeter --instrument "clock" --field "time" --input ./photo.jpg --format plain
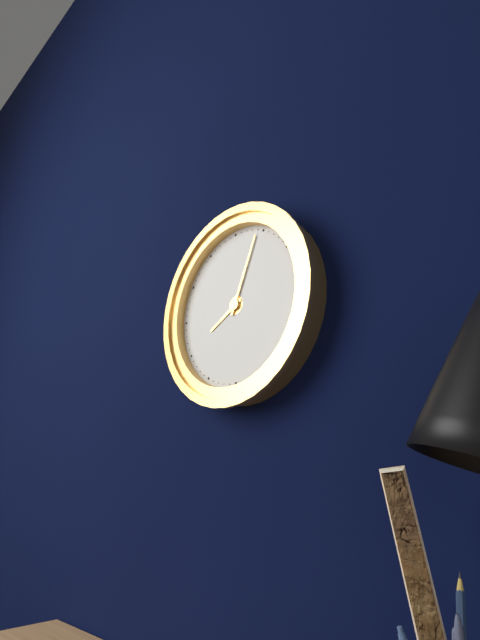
8:04
